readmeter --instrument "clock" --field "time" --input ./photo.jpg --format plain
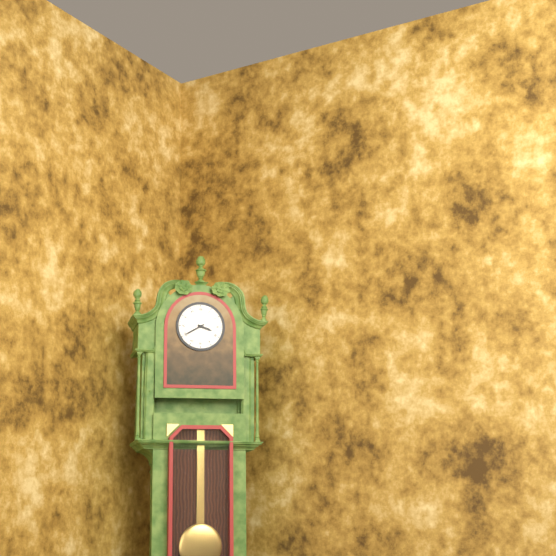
3:40
